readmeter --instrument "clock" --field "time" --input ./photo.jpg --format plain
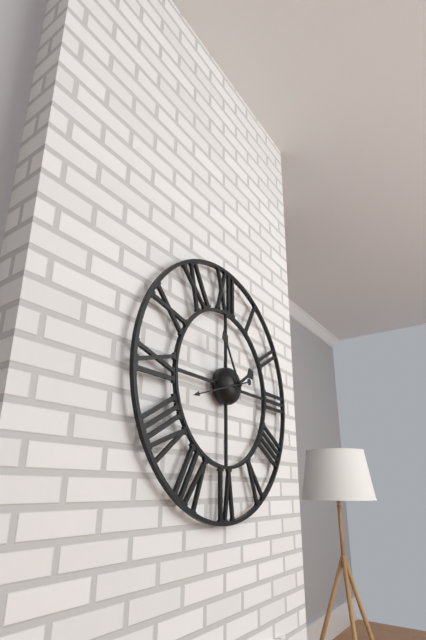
1:55
